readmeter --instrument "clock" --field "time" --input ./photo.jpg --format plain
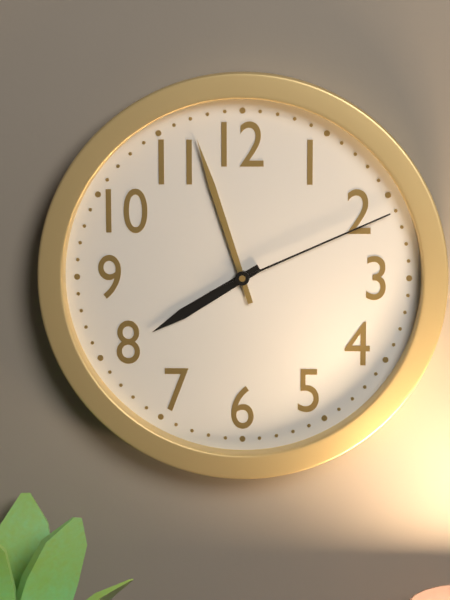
7:57:11
